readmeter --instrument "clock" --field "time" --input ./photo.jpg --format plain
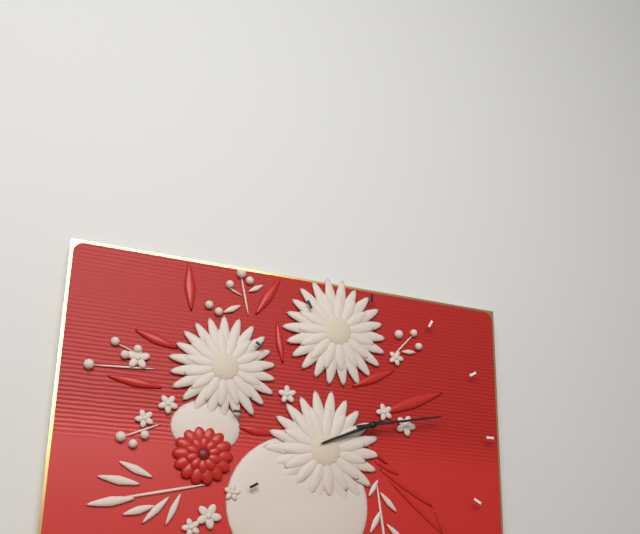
8:13
